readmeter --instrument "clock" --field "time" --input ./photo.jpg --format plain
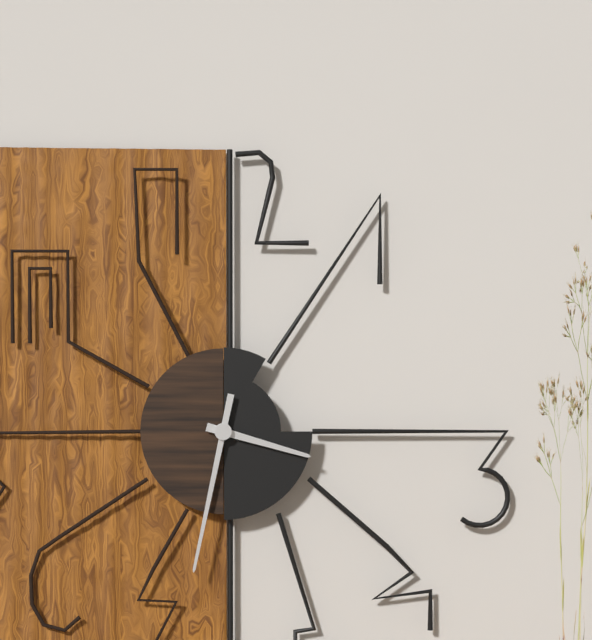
3:32
